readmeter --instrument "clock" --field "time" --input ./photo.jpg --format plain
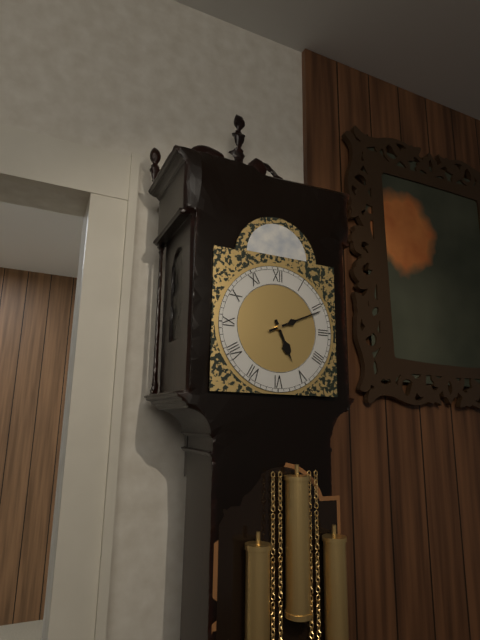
5:11
